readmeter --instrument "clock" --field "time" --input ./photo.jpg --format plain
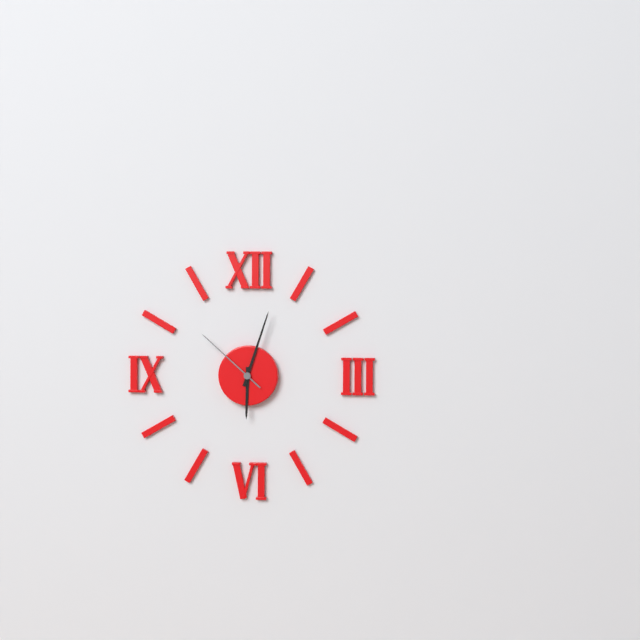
6:03:52
